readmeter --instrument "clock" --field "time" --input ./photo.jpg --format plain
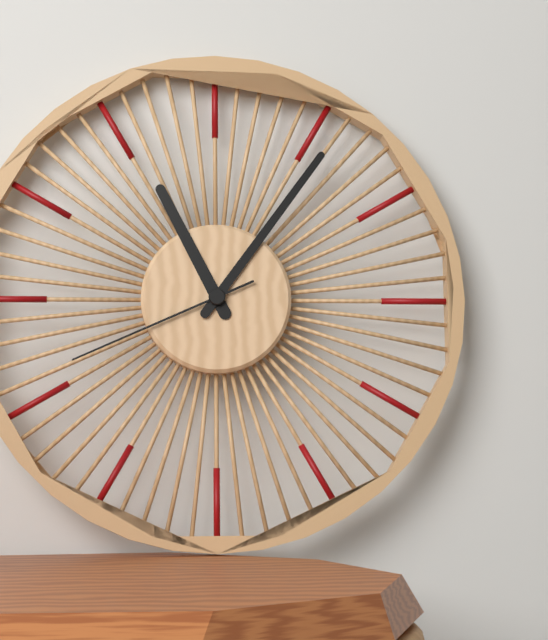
11:06:41
